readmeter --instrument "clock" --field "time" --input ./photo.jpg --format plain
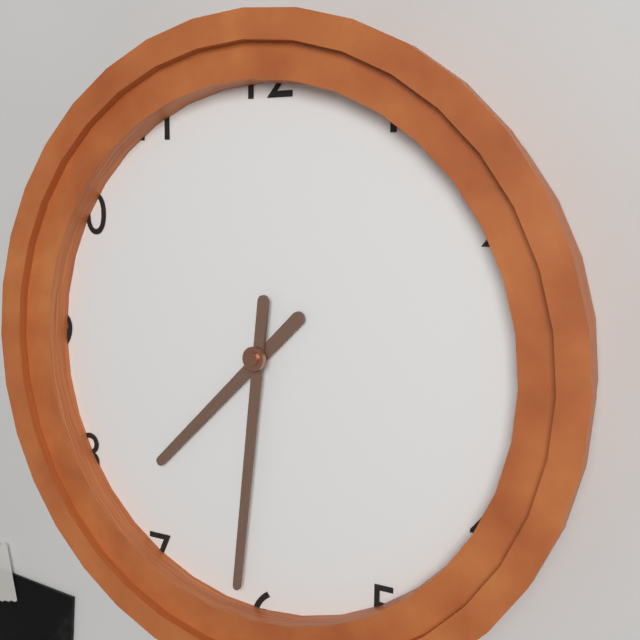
7:31
